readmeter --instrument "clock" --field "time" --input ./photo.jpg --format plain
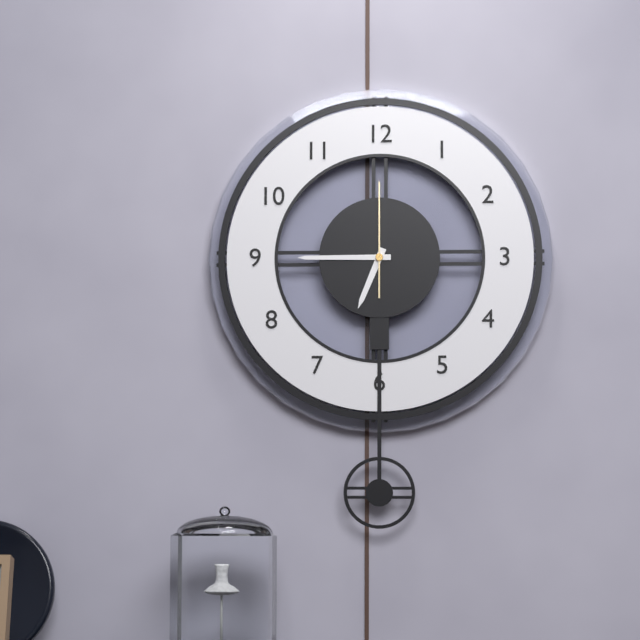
6:45:00
